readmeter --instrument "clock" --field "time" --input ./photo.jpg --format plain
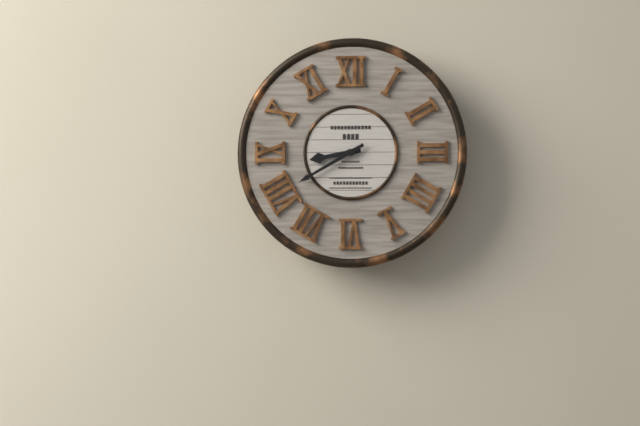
8:40
